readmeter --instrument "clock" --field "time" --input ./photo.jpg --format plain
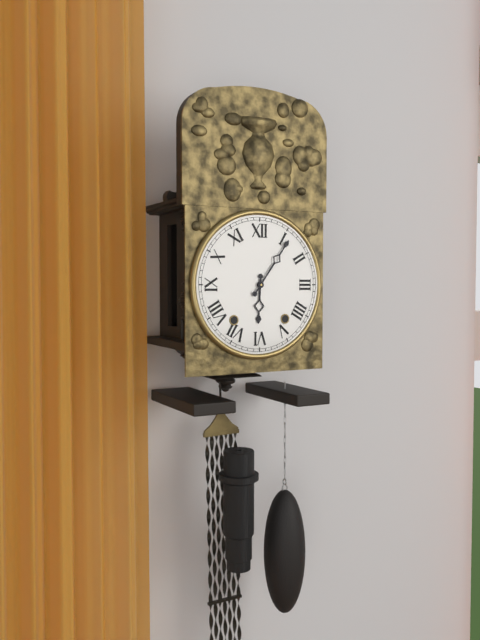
6:06
